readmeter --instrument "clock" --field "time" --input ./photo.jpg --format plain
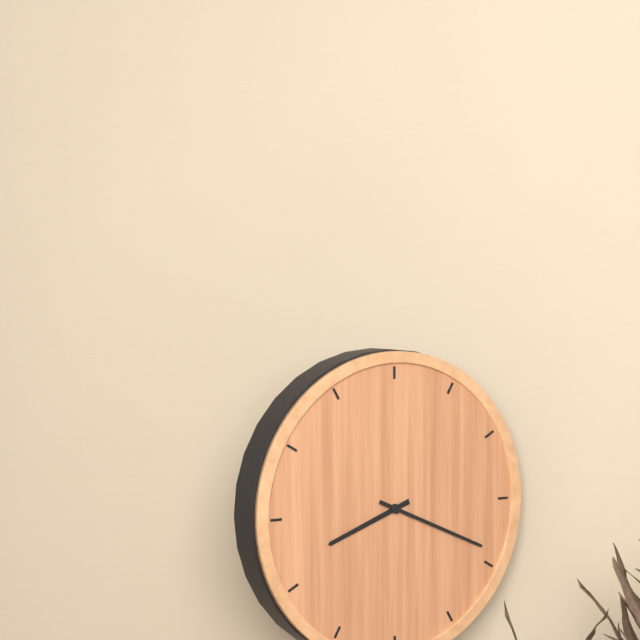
8:19
